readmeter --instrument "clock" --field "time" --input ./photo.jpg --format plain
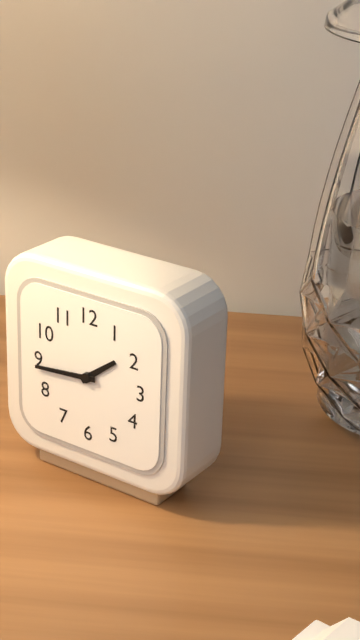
1:44
